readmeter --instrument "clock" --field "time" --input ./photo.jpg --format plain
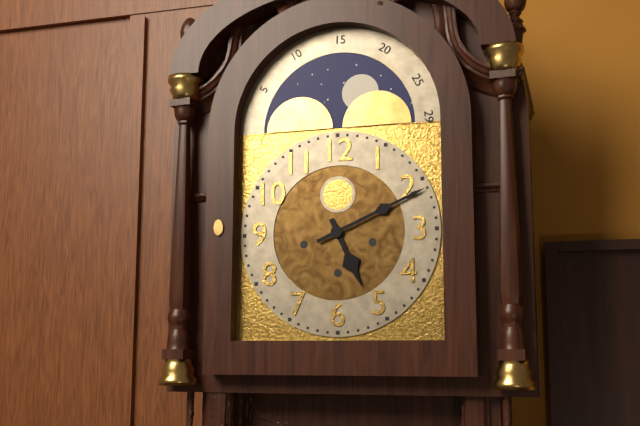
5:11
